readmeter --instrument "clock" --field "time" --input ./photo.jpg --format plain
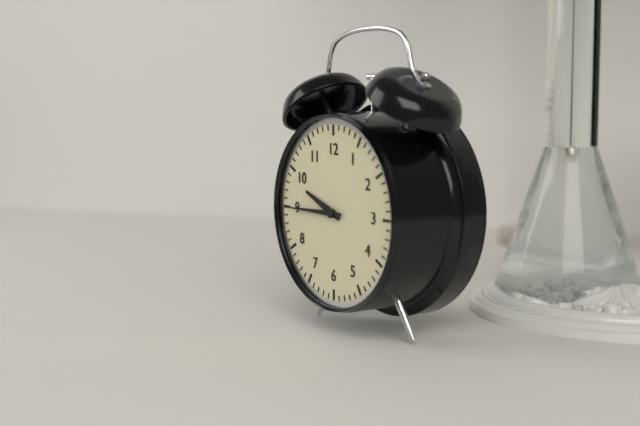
9:45
